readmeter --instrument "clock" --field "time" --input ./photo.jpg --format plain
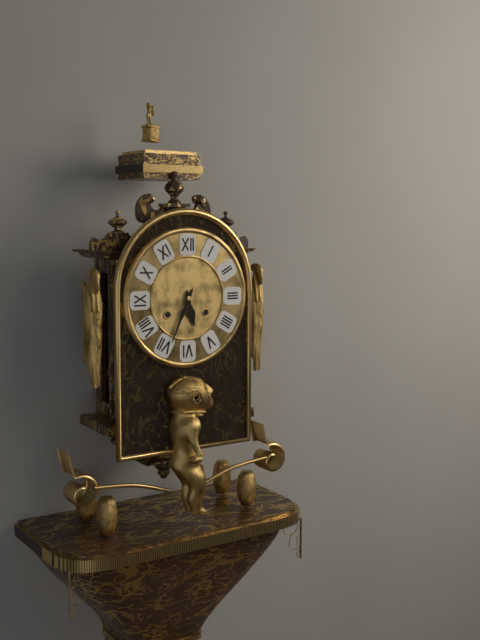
5:34
